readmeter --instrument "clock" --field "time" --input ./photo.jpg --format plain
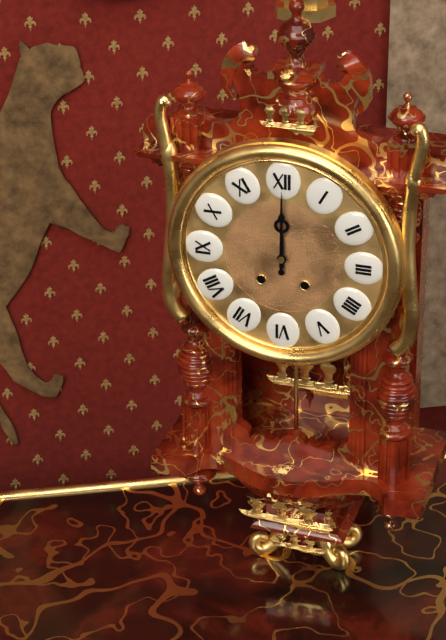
12:00
